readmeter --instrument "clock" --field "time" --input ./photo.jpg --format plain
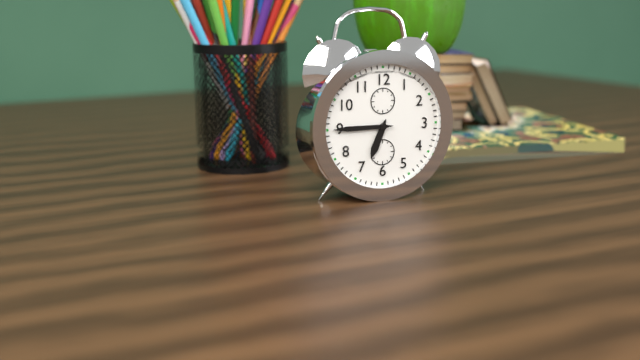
6:45
